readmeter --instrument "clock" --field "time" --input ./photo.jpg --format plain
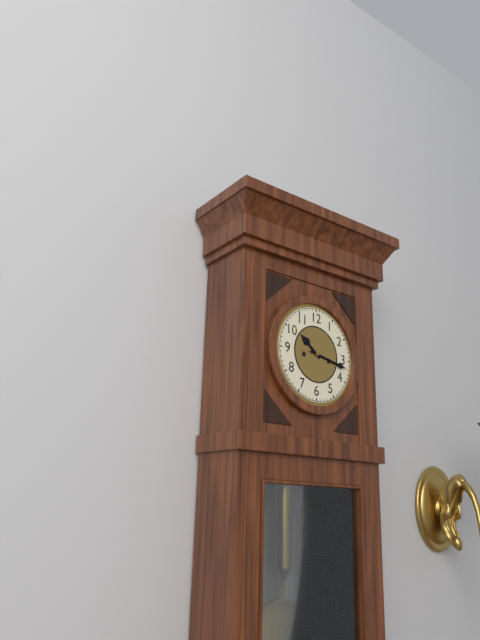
10:17
